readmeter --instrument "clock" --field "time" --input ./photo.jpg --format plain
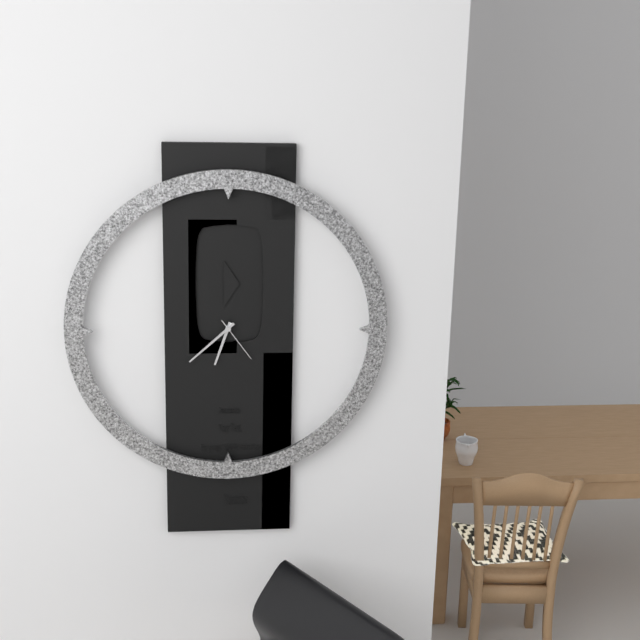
6:38
